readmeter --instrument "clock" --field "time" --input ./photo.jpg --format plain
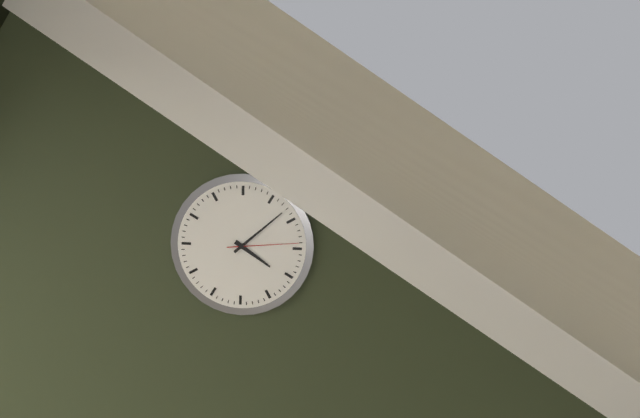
4:08:14
